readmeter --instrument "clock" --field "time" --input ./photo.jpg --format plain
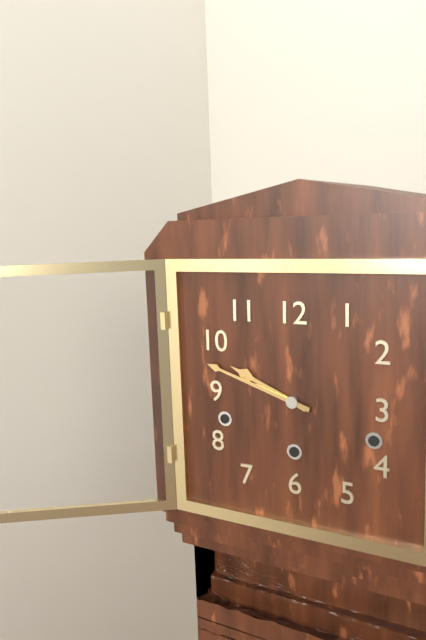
9:48
